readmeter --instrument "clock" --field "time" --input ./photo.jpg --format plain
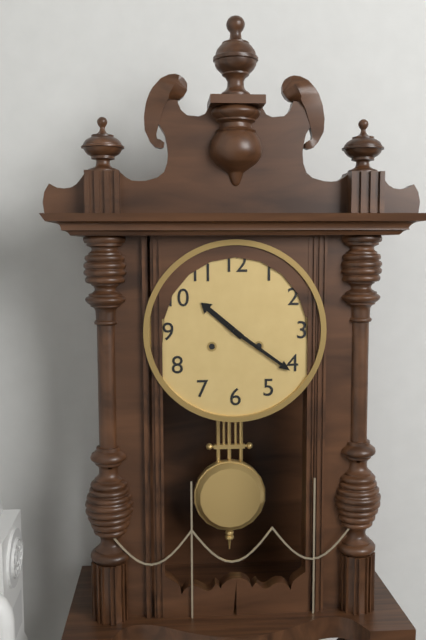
10:21
